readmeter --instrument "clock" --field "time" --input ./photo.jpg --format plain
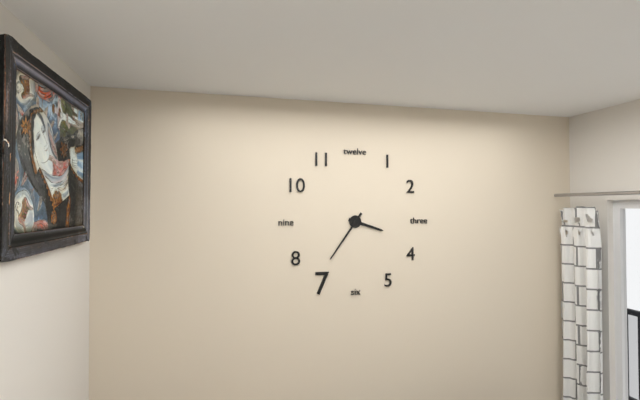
3:36
